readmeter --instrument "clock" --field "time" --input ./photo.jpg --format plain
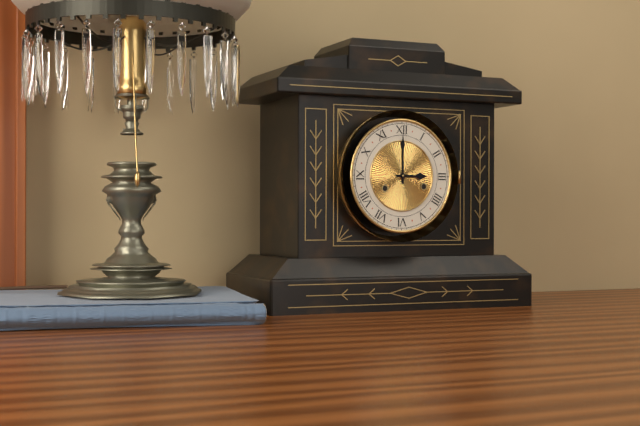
3:00
